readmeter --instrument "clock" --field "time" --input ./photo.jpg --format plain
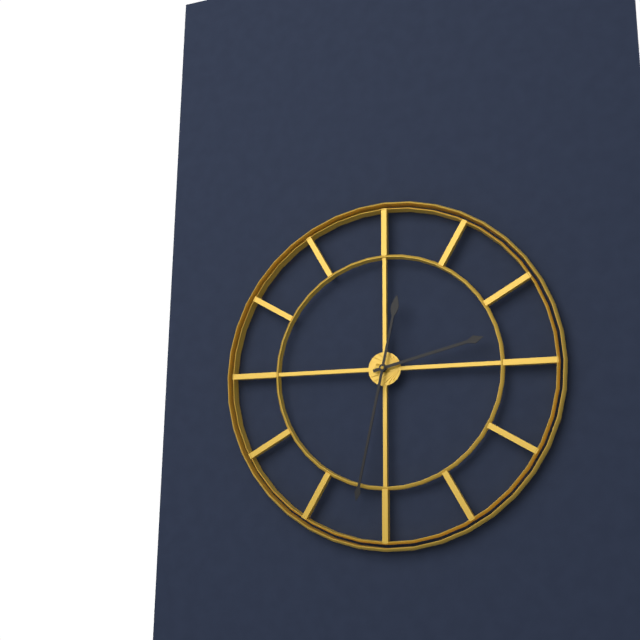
2:32
